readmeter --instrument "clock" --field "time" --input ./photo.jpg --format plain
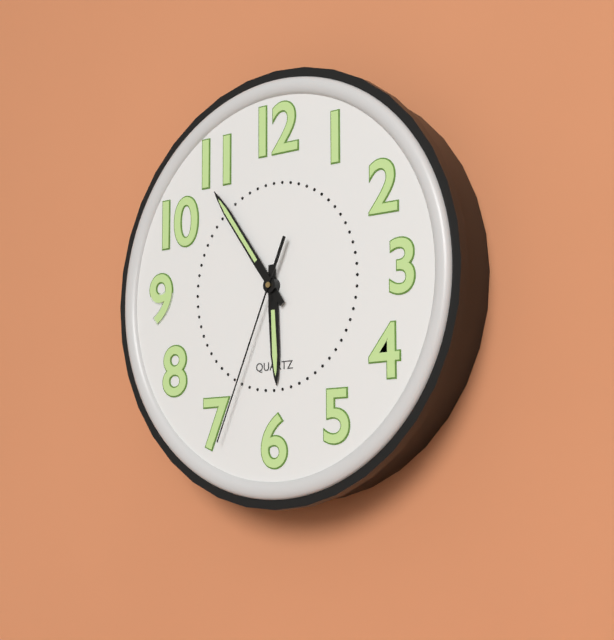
5:54:34
